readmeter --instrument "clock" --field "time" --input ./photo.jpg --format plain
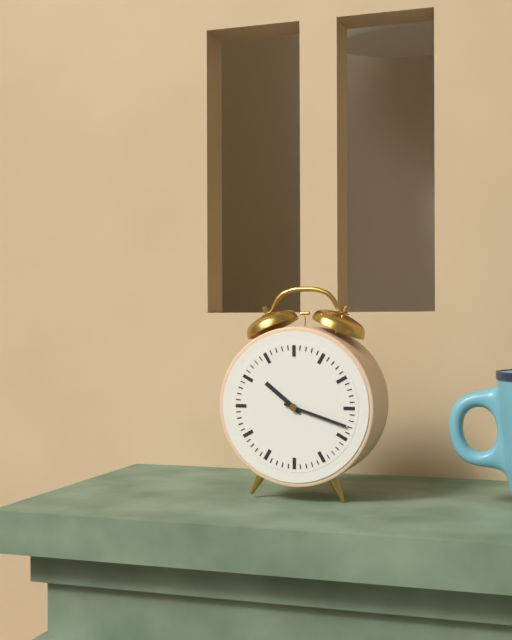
10:18
